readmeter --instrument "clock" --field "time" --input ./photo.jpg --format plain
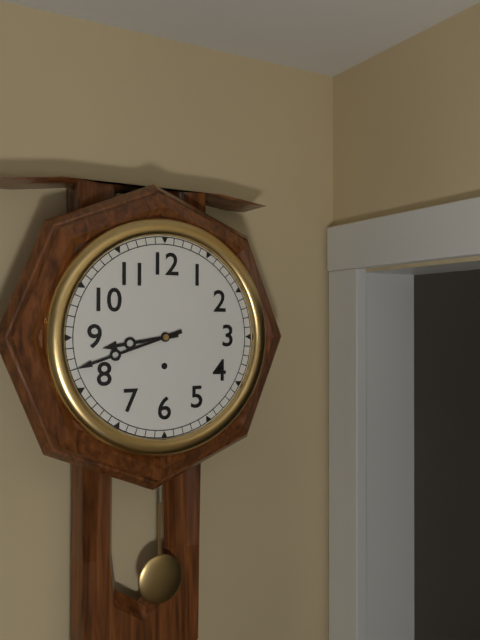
8:42
